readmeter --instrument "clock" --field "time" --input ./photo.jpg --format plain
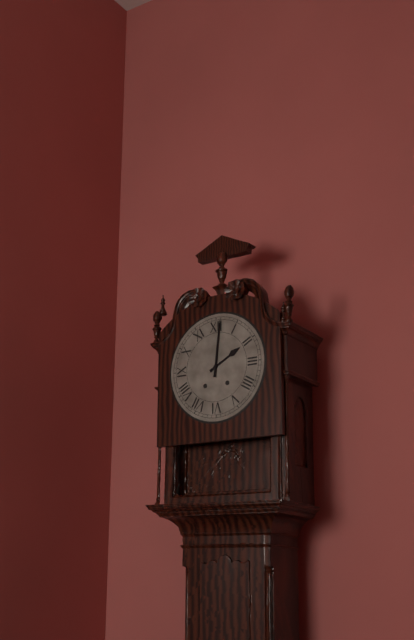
2:01
